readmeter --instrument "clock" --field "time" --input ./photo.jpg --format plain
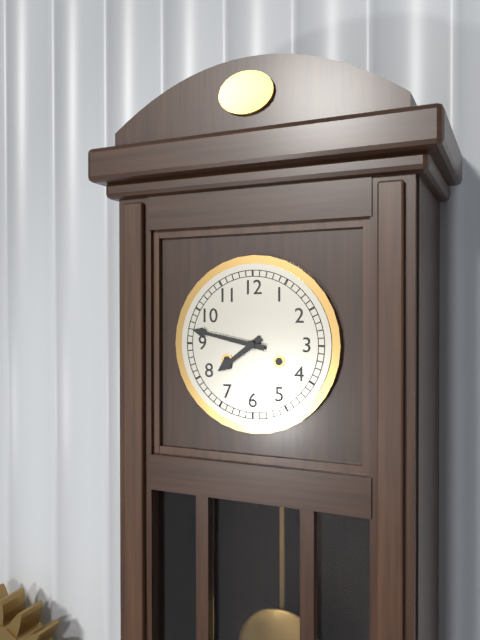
7:47
